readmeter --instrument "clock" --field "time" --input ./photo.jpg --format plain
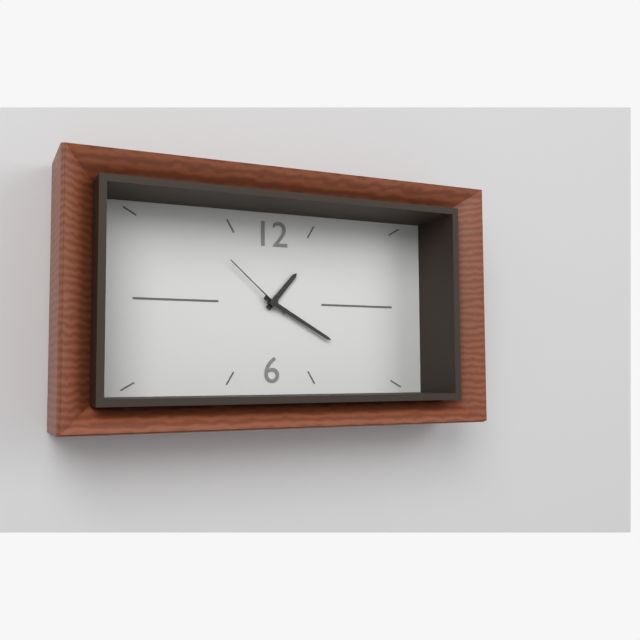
1:20:52
